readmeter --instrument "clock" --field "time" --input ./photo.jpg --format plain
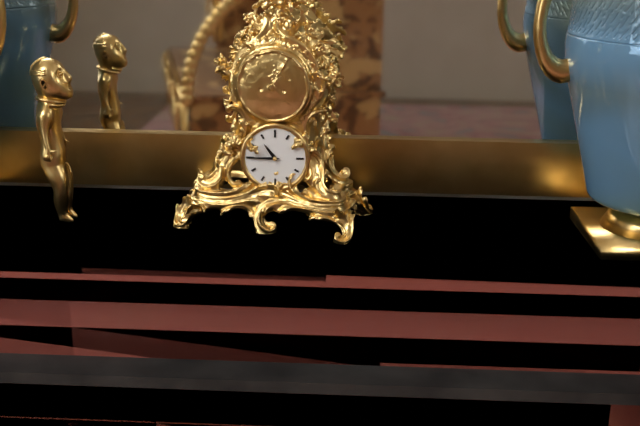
10:45
